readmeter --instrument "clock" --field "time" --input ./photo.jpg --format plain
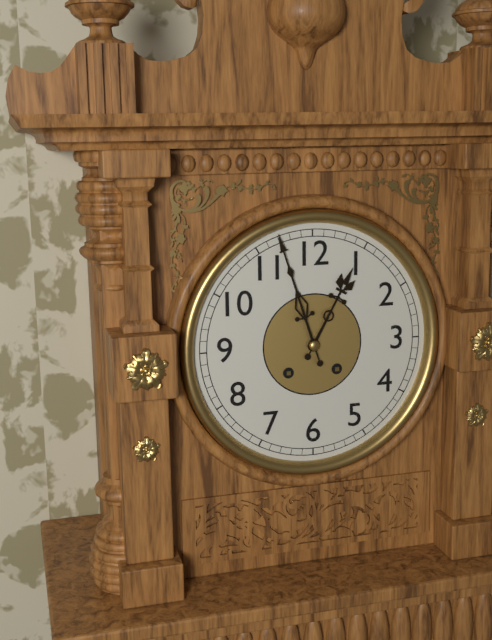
12:57
